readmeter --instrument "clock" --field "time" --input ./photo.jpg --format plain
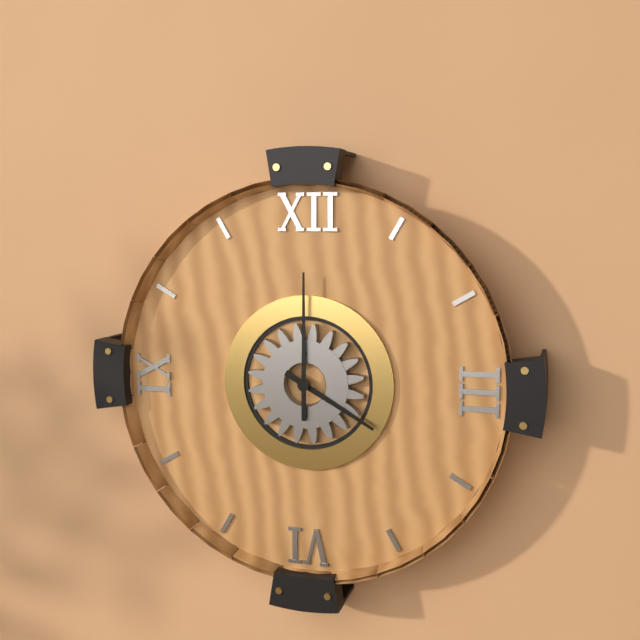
4:00
